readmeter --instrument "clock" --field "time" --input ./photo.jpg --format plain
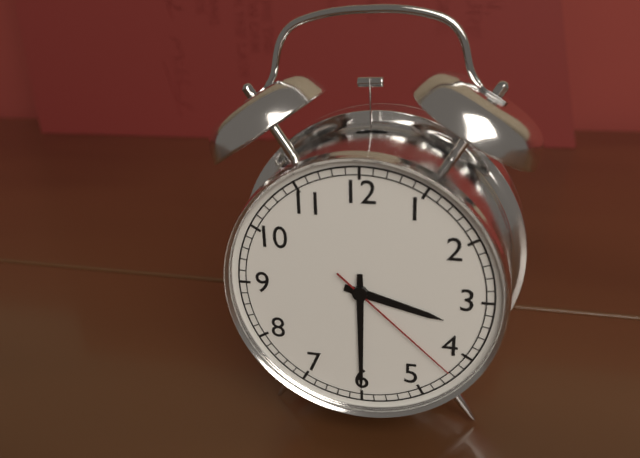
3:30:22
